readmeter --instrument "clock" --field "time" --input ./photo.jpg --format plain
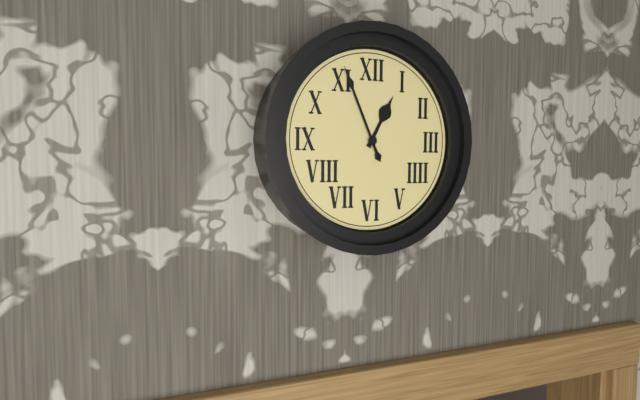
12:56
